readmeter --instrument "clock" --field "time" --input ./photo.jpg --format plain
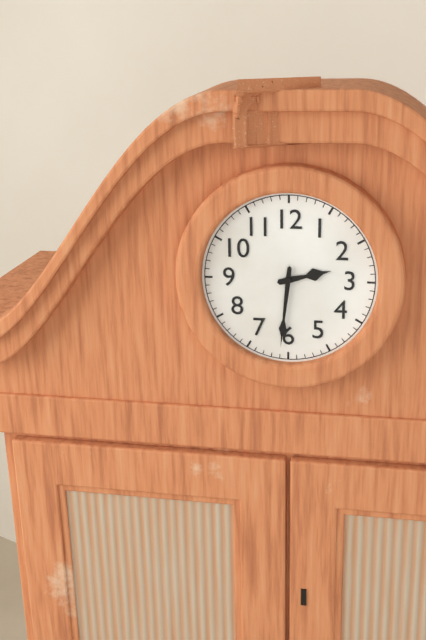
2:31
